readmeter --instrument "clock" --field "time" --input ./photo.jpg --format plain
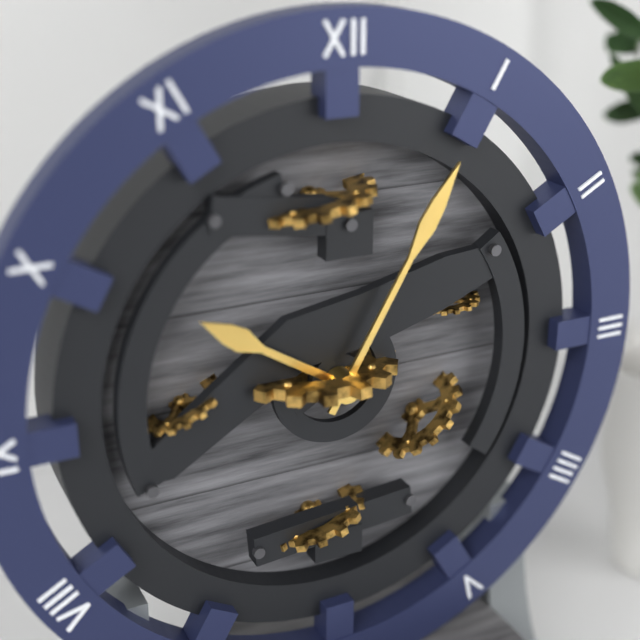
10:05
